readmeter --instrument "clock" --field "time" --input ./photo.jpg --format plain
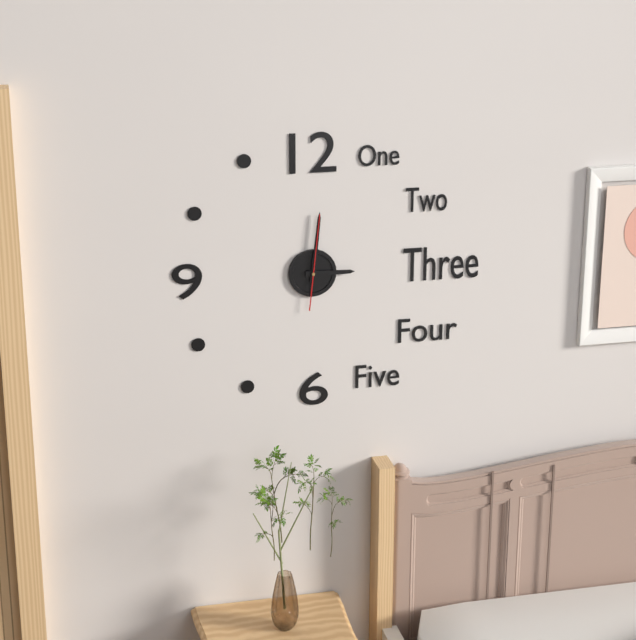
3:01:01
